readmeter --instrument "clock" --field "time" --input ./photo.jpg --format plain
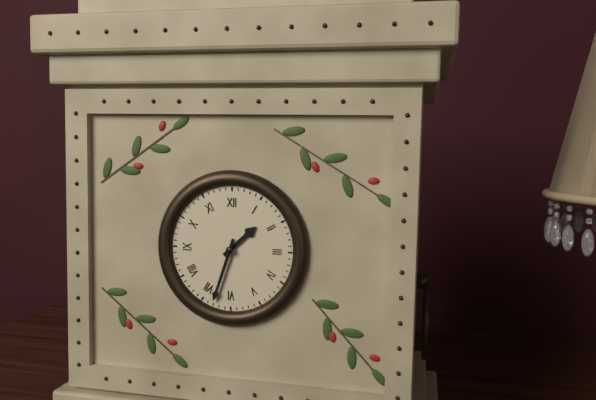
1:33
